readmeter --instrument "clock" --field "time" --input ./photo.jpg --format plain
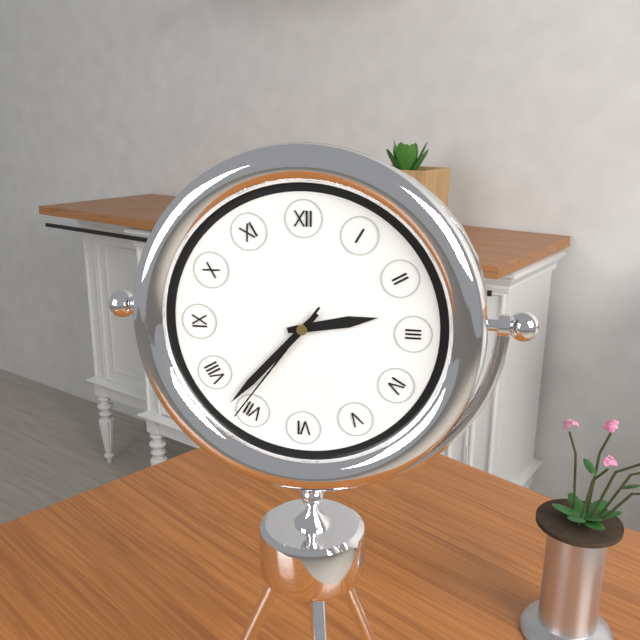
2:37:36
